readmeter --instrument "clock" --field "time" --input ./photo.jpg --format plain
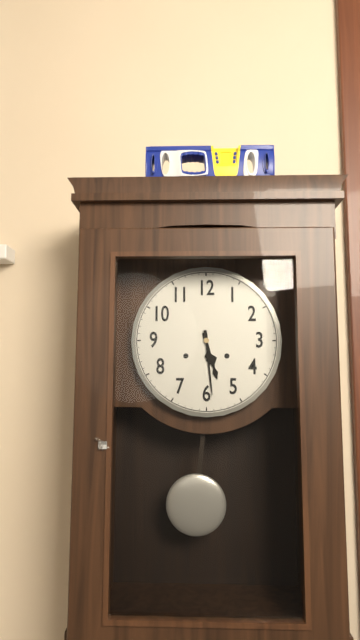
5:29
